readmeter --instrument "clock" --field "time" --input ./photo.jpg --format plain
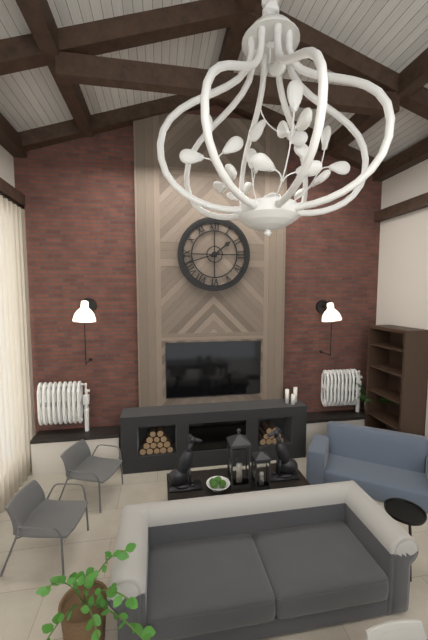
1:42
